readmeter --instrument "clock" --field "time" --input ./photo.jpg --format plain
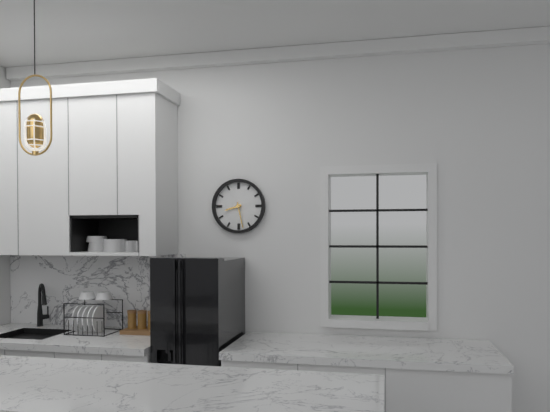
8:28
